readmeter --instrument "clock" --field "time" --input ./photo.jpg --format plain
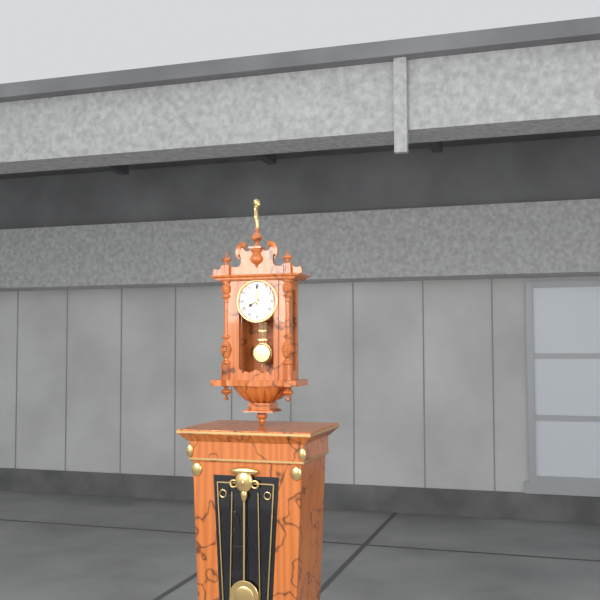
8:00
